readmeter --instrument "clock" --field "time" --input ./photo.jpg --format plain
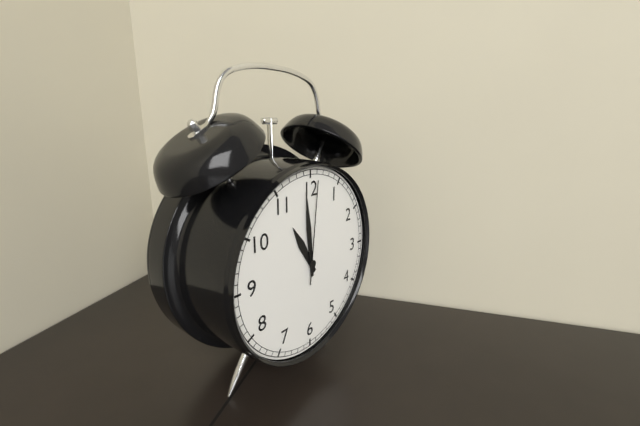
10:59:01
